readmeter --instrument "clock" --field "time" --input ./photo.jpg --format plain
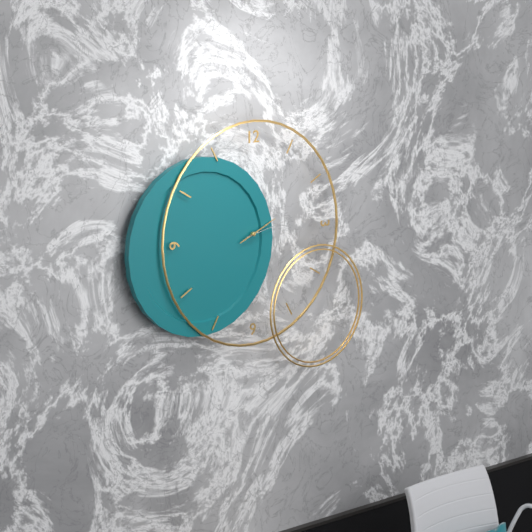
8:11
